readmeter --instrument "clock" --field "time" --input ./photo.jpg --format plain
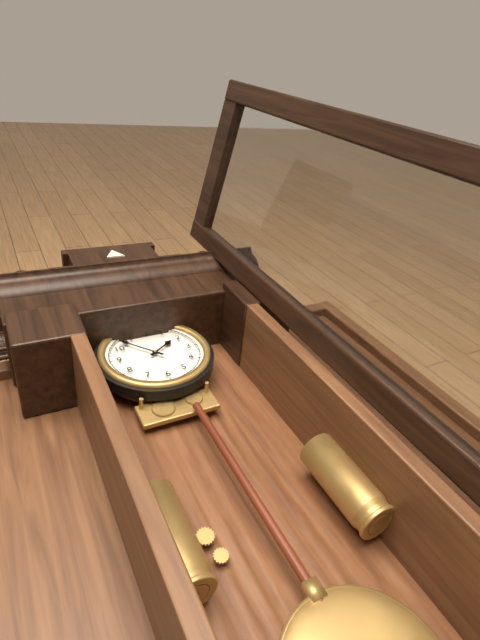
1:53
